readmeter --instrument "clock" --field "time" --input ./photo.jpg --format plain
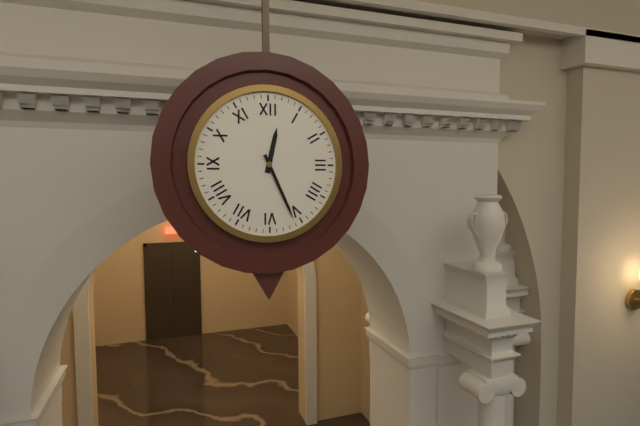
12:26
